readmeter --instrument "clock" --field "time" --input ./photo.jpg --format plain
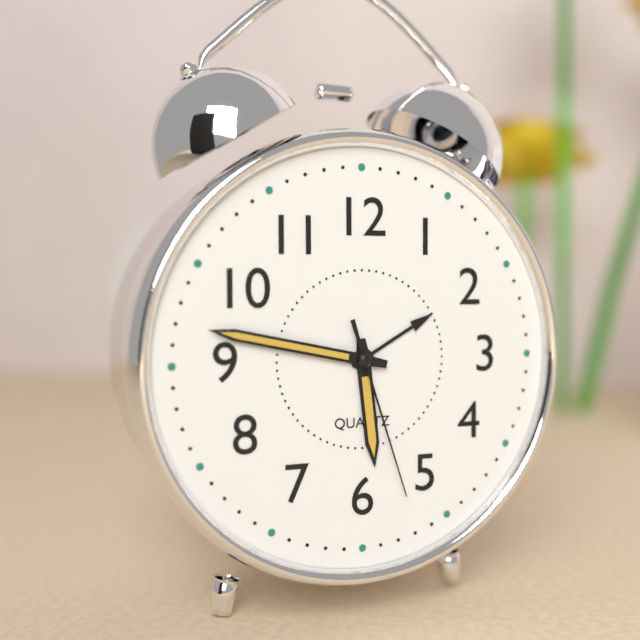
5:47:27
